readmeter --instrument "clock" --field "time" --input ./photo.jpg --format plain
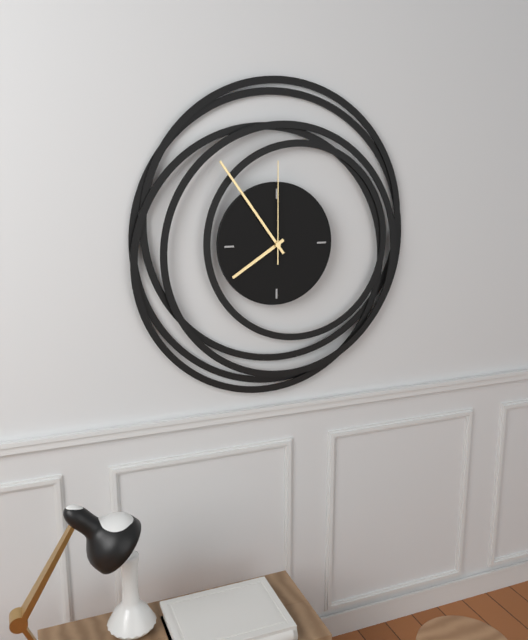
7:54:00
